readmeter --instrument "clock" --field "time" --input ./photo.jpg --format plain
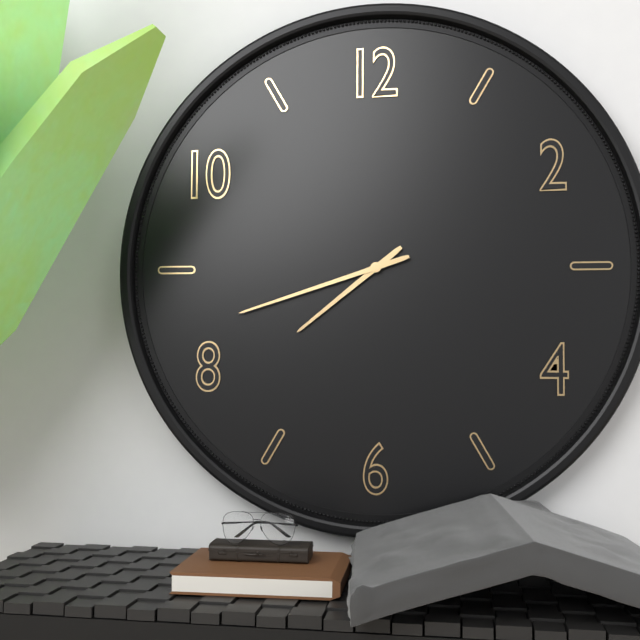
7:42
